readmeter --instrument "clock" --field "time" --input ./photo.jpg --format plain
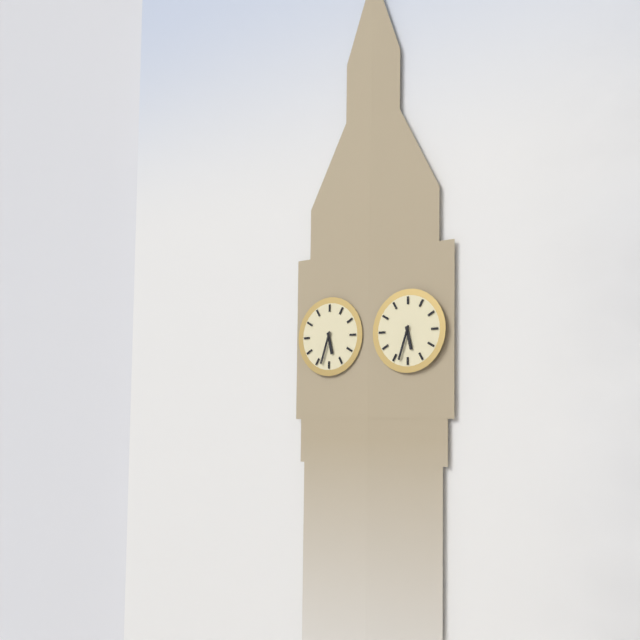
5:33
